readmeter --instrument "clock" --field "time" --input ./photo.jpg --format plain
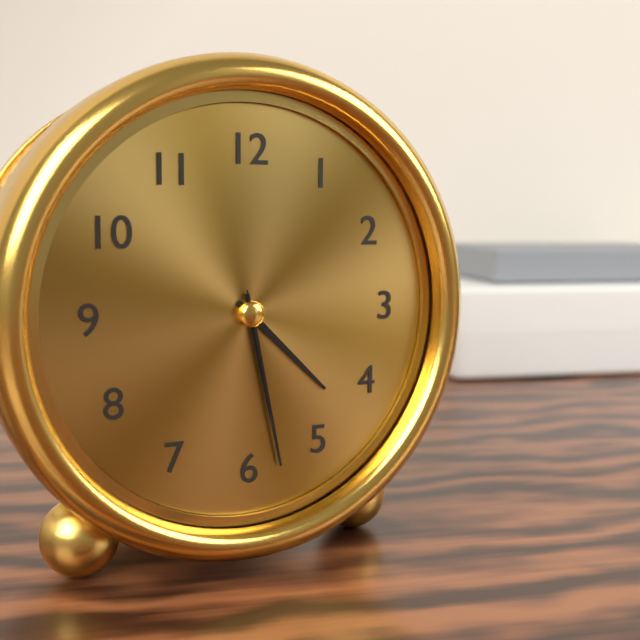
4:28:28
